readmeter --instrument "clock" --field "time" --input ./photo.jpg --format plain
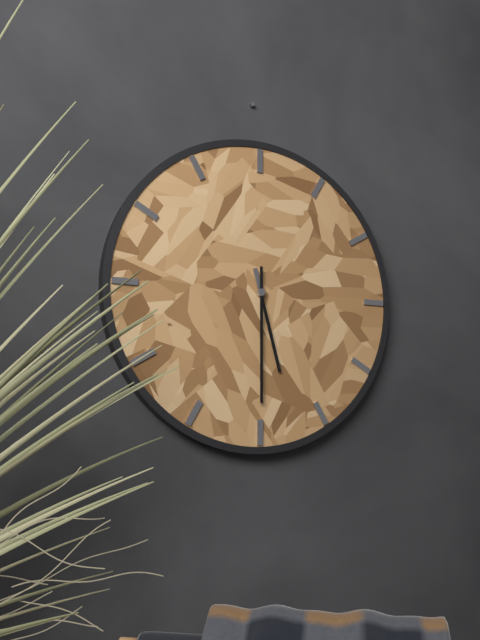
5:30
